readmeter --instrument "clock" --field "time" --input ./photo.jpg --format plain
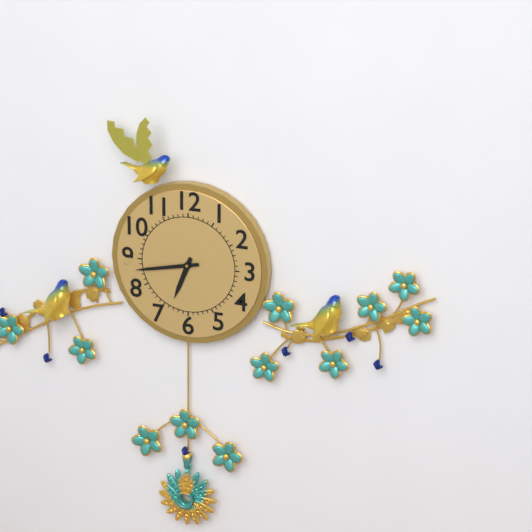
6:43
